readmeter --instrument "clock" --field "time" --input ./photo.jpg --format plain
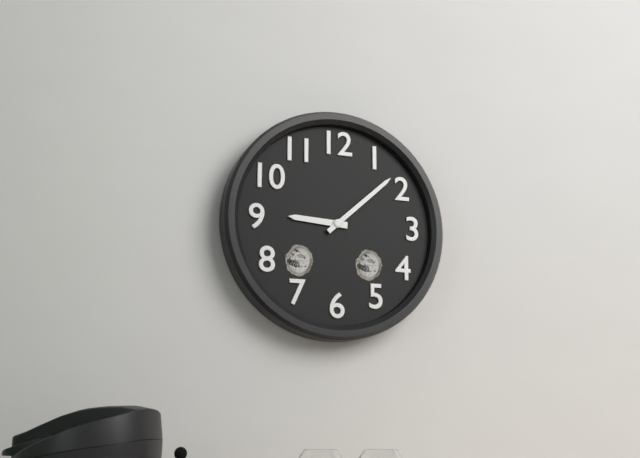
9:08
